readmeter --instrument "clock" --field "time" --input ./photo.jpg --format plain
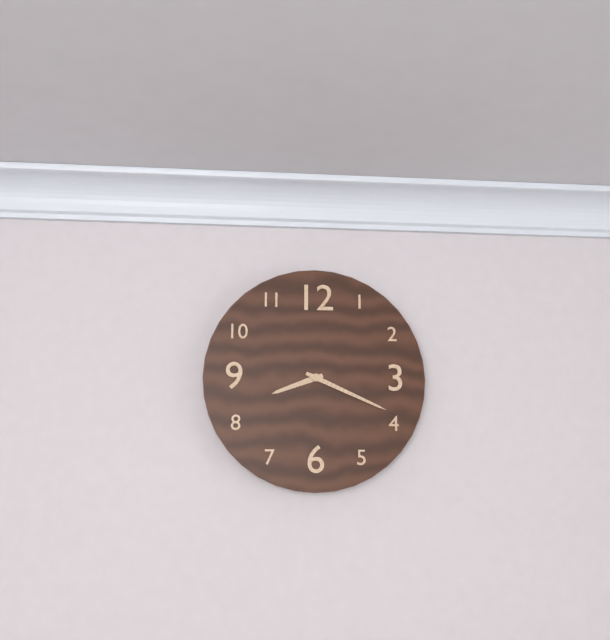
8:19
